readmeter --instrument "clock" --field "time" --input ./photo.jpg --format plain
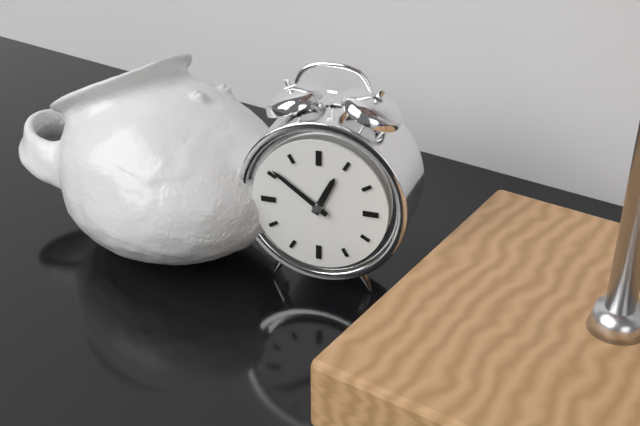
12:51
